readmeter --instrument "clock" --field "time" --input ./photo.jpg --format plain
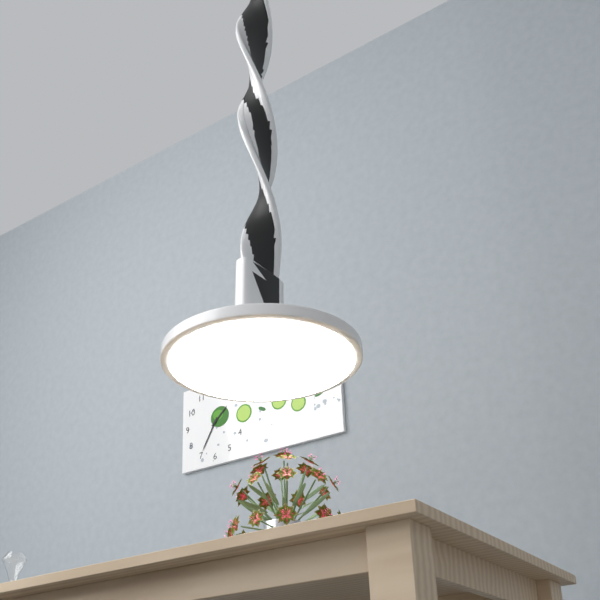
1:35
